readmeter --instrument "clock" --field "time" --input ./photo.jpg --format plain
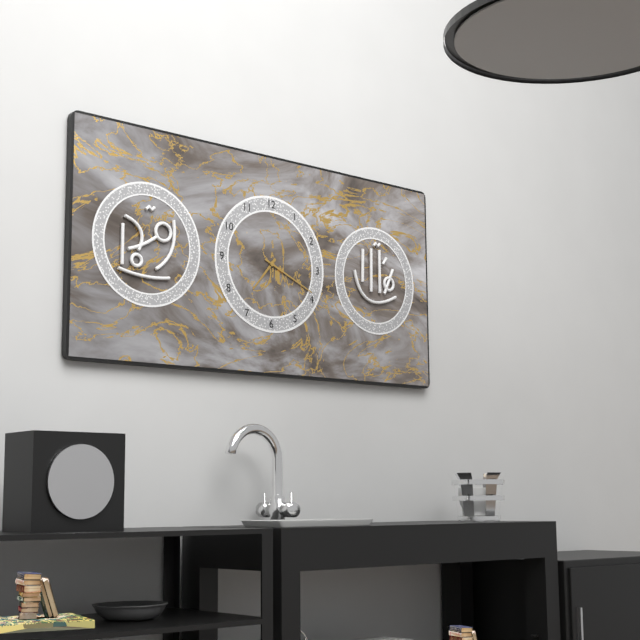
7:19
